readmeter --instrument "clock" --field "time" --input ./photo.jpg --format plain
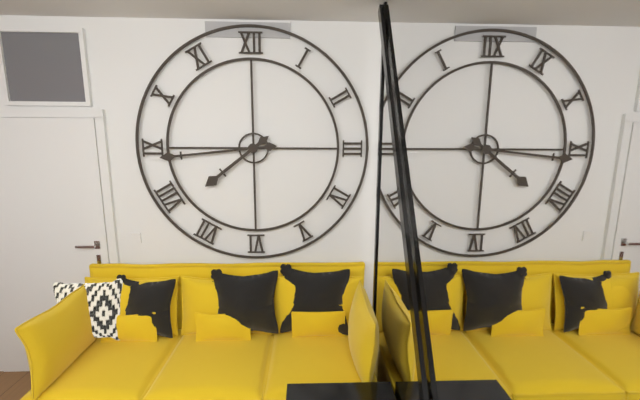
7:44
